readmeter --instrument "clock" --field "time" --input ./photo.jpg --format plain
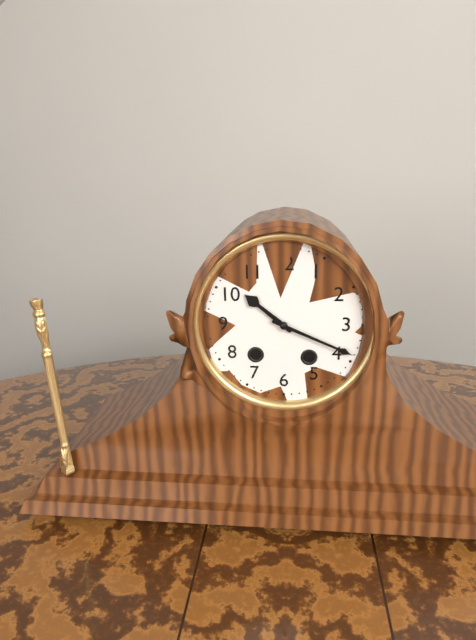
10:19
